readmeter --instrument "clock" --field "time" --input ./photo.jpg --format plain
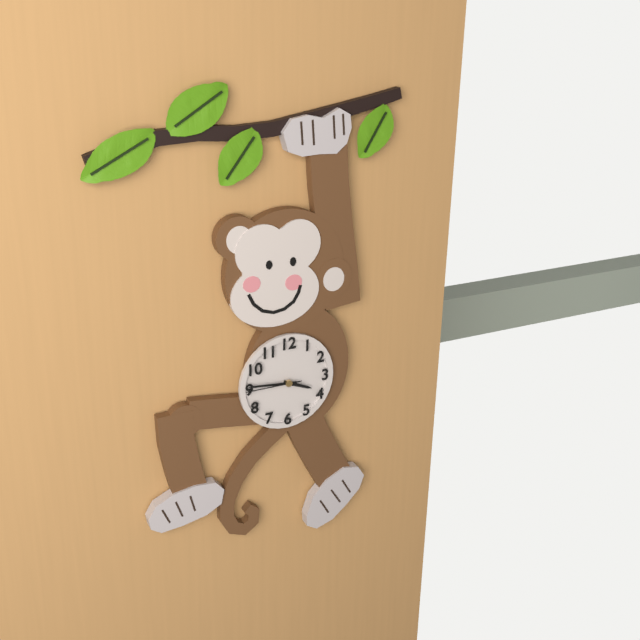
3:46
